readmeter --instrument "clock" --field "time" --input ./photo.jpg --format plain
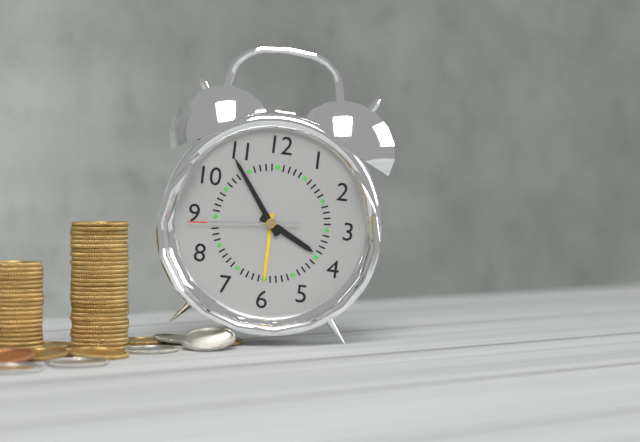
3:54:44
